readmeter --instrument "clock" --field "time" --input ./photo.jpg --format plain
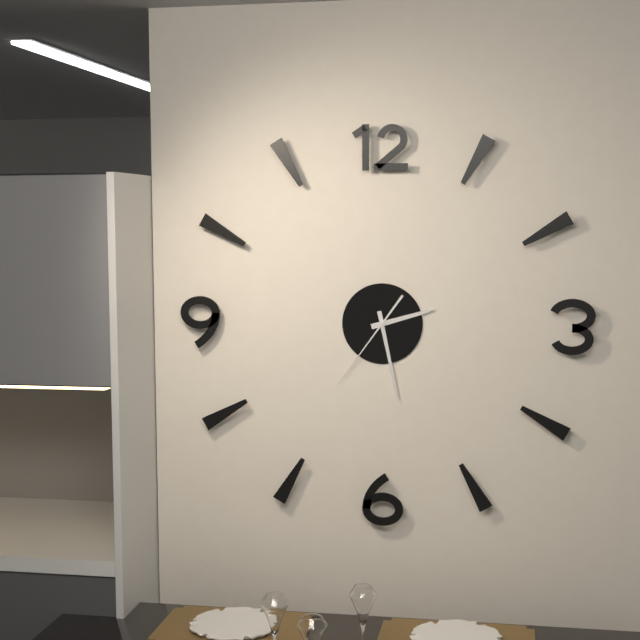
2:28:36
